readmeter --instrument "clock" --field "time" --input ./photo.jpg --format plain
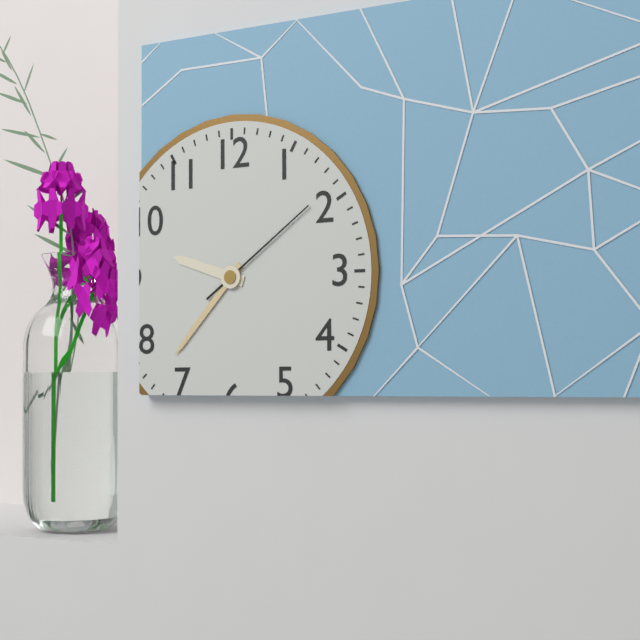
9:37:09
